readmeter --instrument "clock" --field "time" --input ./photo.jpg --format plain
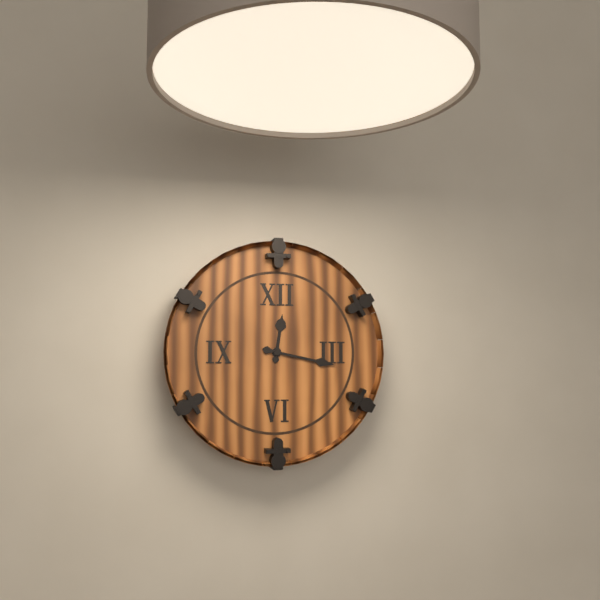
12:17
